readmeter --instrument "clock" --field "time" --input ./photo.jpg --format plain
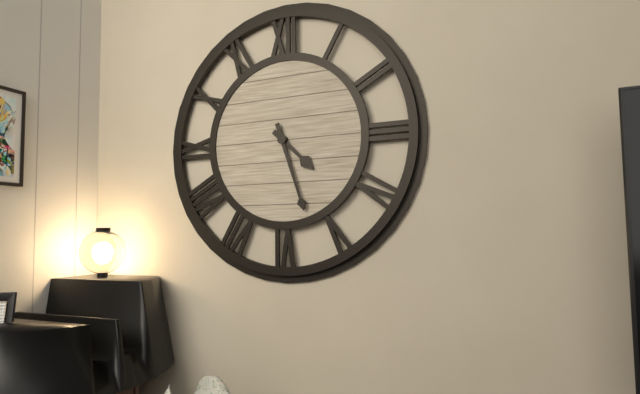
4:27
